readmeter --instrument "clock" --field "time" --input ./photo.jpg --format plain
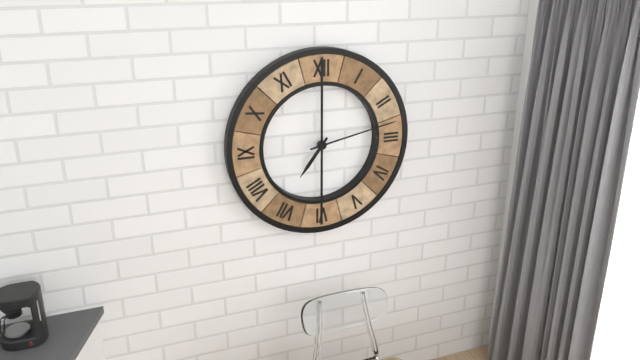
7:13
